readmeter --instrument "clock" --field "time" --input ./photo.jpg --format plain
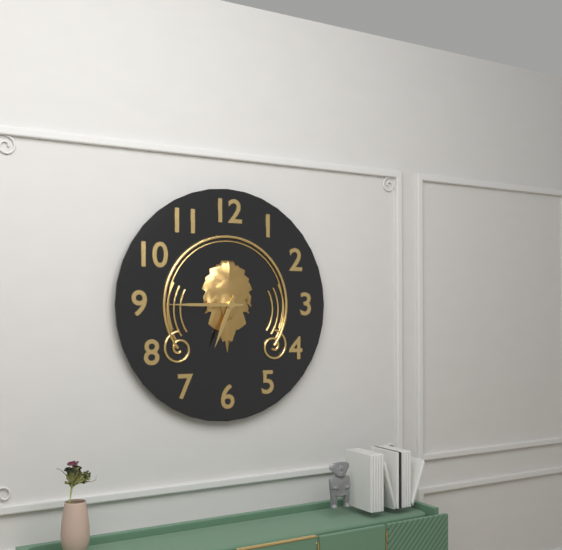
6:45
